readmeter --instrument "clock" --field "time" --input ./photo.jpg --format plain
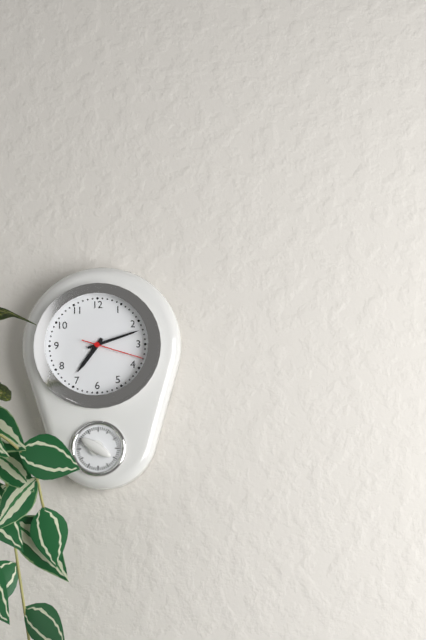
7:12:18
